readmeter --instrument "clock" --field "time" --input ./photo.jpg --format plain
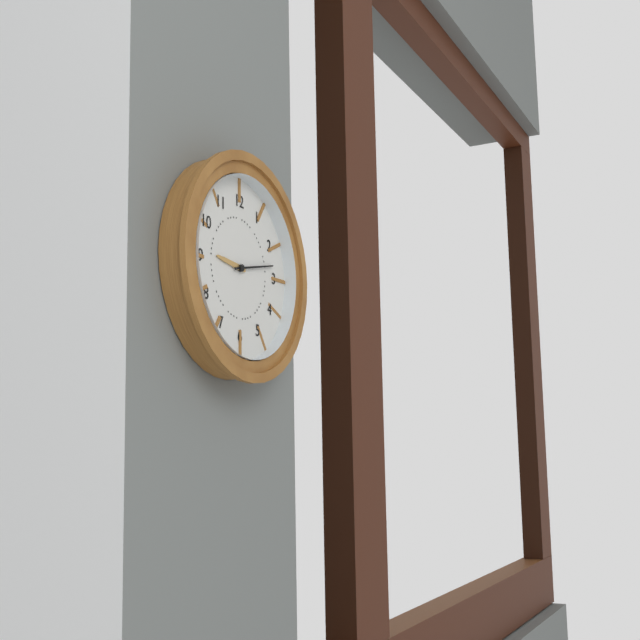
9:13
